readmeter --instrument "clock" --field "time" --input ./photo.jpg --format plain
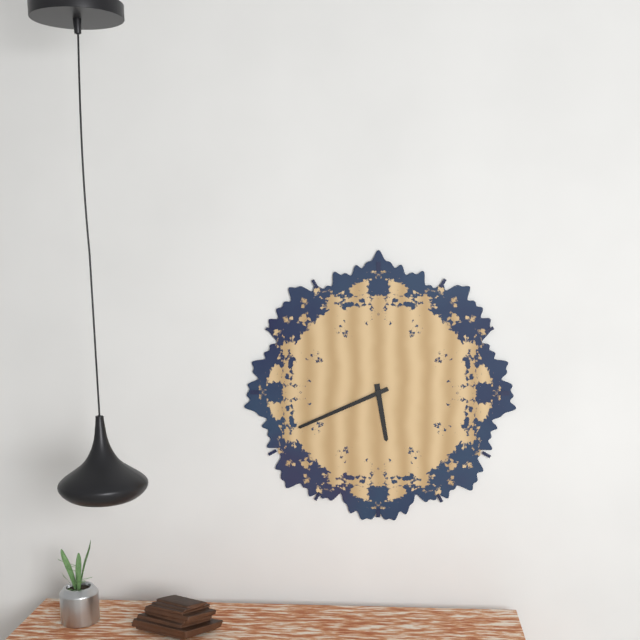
5:41
